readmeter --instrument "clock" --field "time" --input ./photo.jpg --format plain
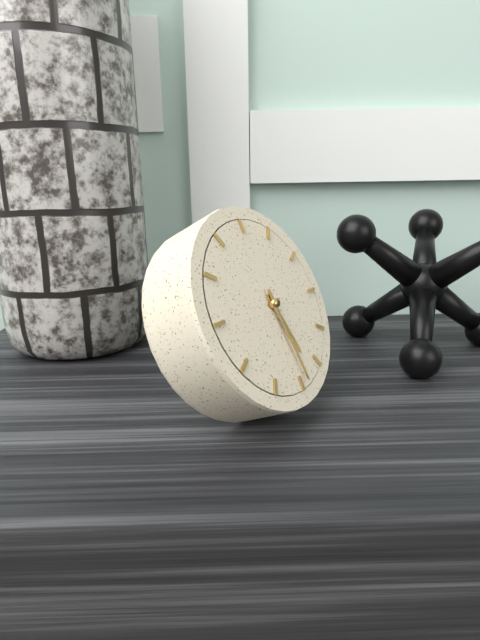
5:29
